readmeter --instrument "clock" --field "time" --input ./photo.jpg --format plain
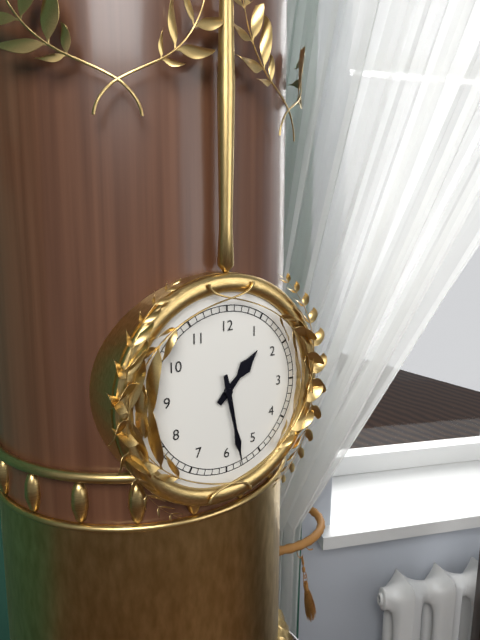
1:28
